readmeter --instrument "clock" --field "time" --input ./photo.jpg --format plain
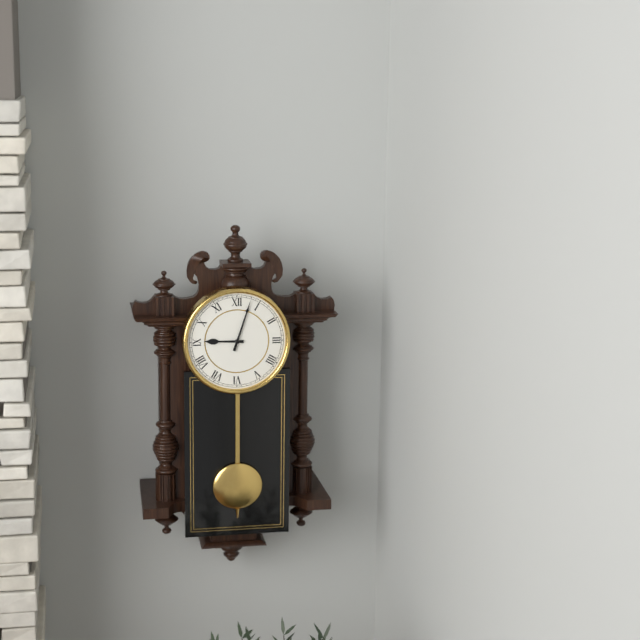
9:03
